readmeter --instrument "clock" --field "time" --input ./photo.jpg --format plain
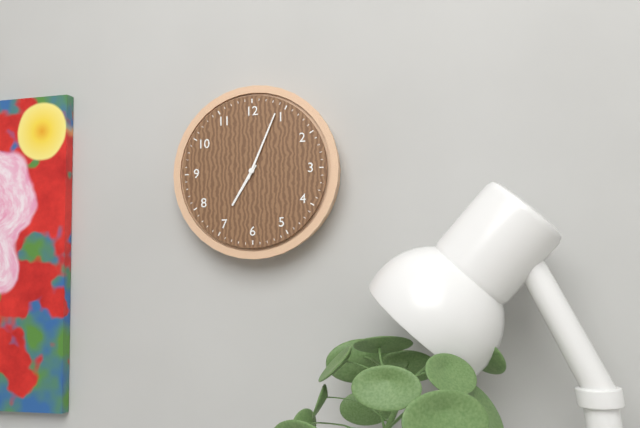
7:04
